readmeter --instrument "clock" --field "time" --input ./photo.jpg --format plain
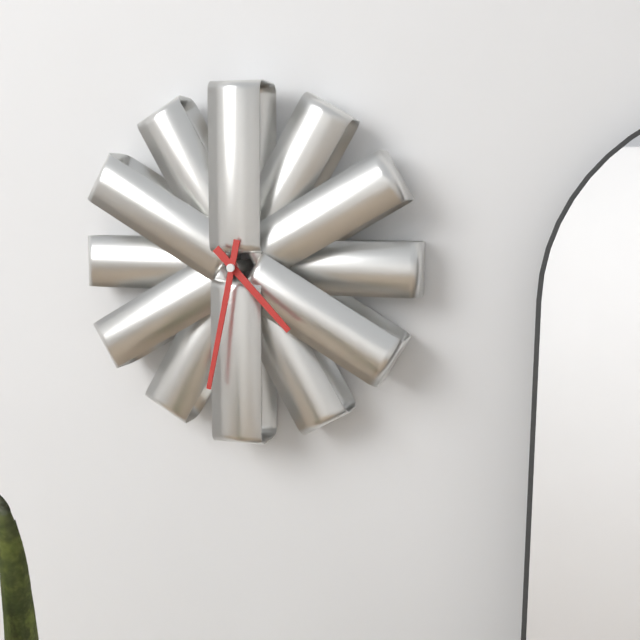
4:32
